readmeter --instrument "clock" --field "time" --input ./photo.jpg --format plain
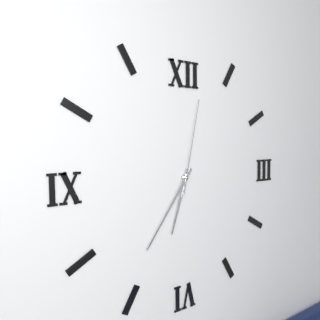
6:36:02
